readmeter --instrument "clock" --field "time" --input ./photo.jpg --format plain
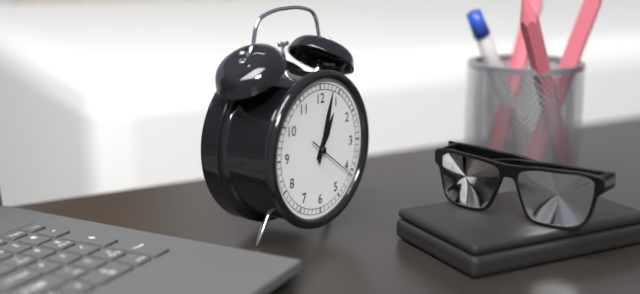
1:03
